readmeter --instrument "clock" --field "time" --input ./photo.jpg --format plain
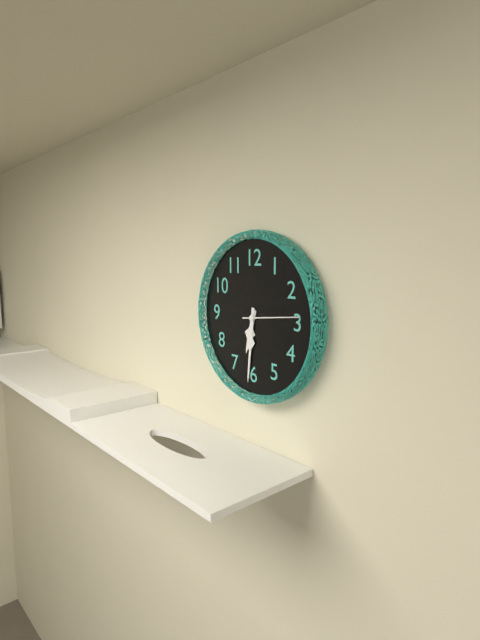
6:31:14
